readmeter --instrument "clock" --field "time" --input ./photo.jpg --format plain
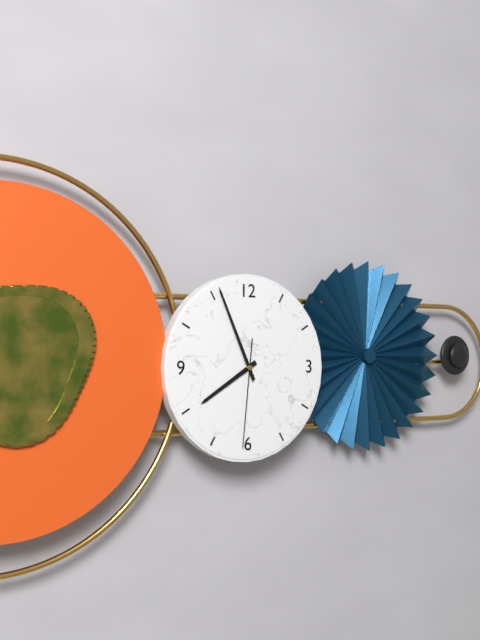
7:56:31
